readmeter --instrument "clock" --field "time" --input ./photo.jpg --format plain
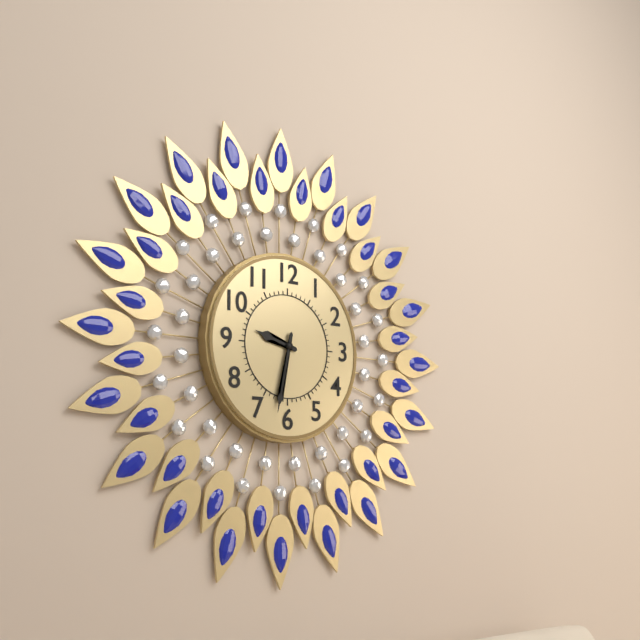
9:32
